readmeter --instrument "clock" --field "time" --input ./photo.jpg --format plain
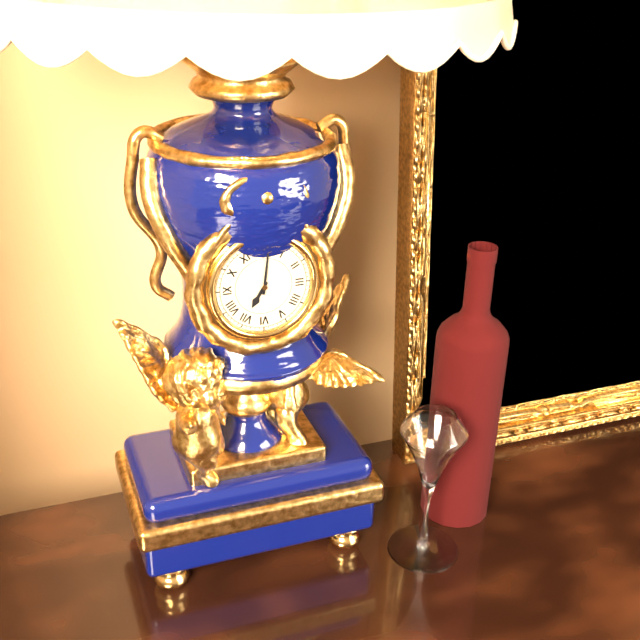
7:01
